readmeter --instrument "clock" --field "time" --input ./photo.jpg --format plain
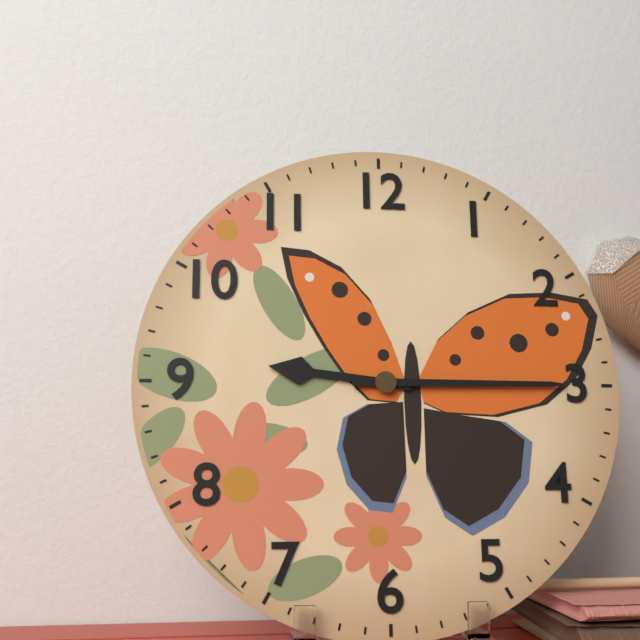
9:15
